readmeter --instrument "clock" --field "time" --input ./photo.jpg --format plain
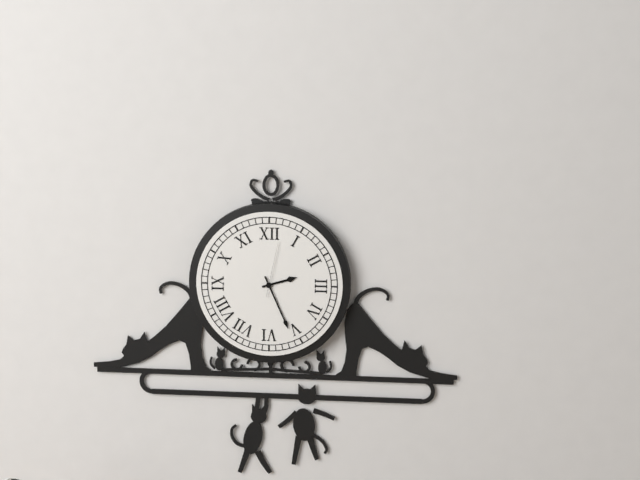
2:26:02
